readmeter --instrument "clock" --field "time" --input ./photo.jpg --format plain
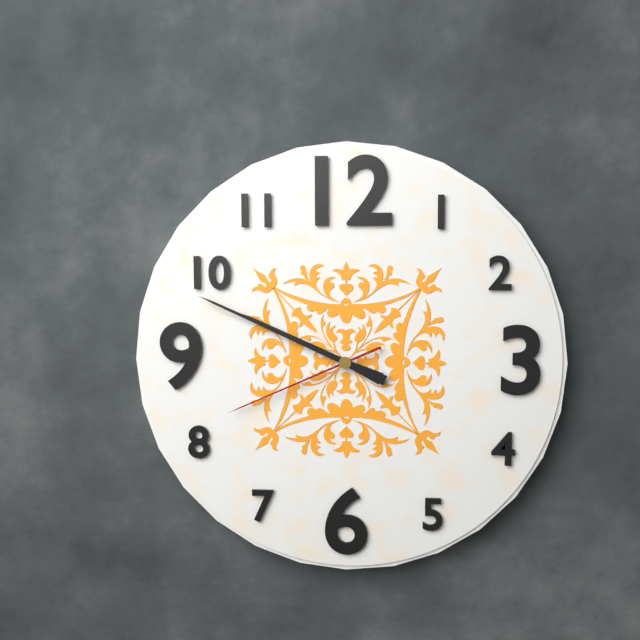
9:49:41
